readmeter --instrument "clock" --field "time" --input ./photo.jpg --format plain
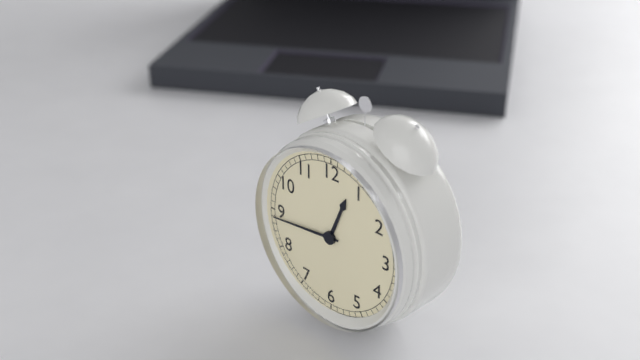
12:44
